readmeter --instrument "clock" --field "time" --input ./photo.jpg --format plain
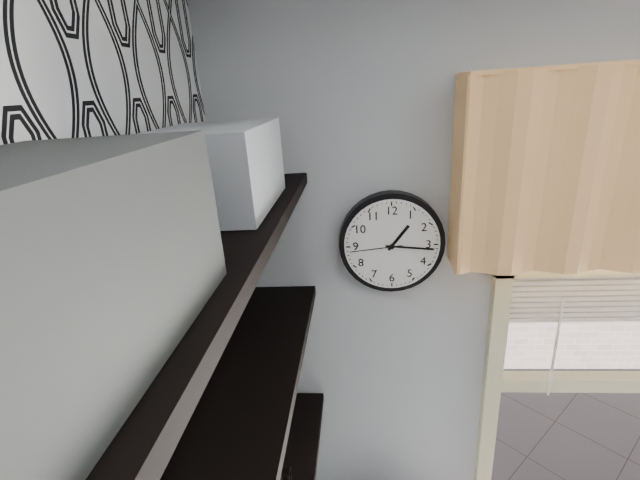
1:16:44
